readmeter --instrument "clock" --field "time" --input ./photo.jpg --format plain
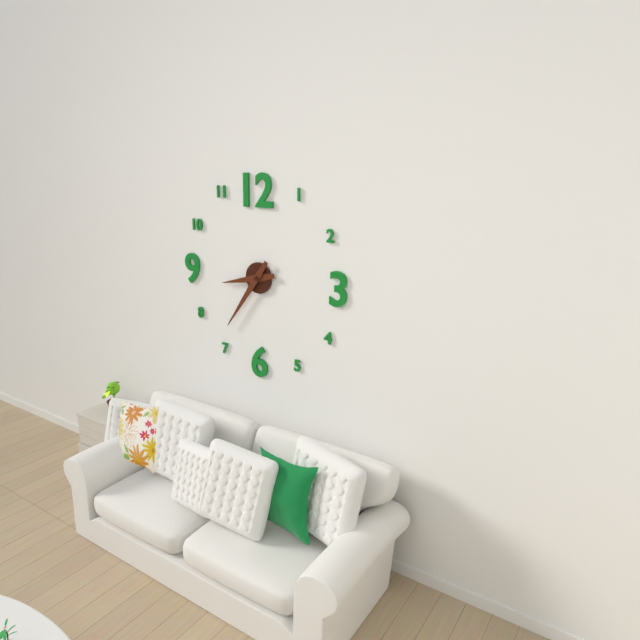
8:36
